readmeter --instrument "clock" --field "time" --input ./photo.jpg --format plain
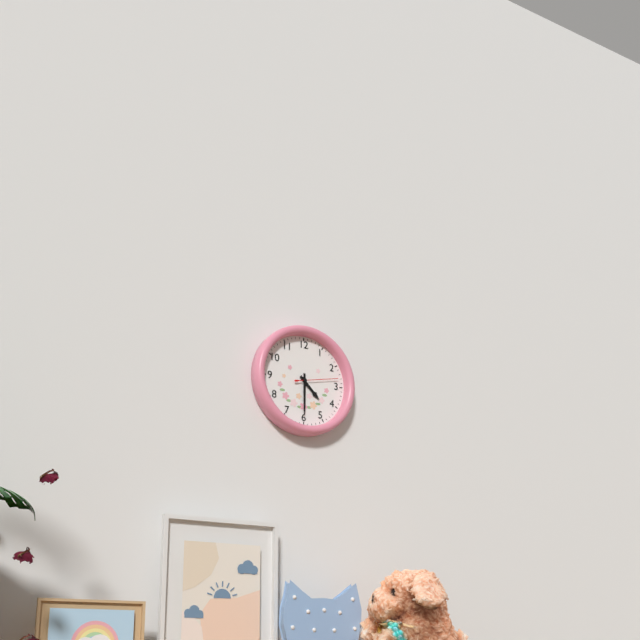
4:30
